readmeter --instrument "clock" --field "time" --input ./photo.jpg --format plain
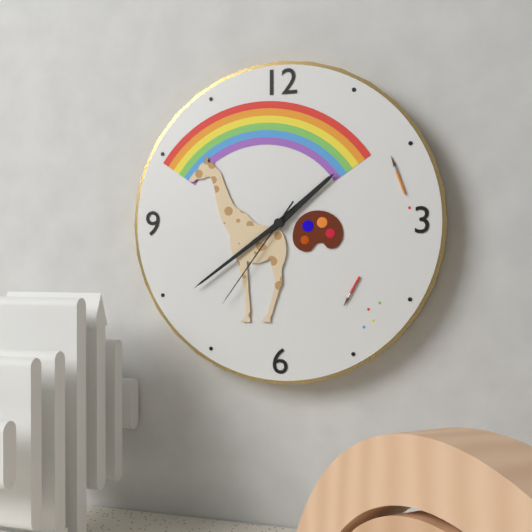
1:39:36
